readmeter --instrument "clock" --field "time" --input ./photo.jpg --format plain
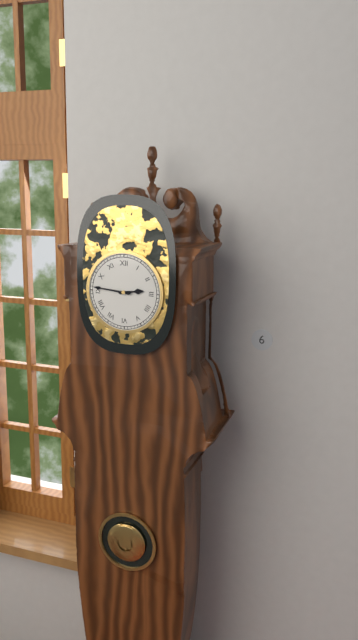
2:46
